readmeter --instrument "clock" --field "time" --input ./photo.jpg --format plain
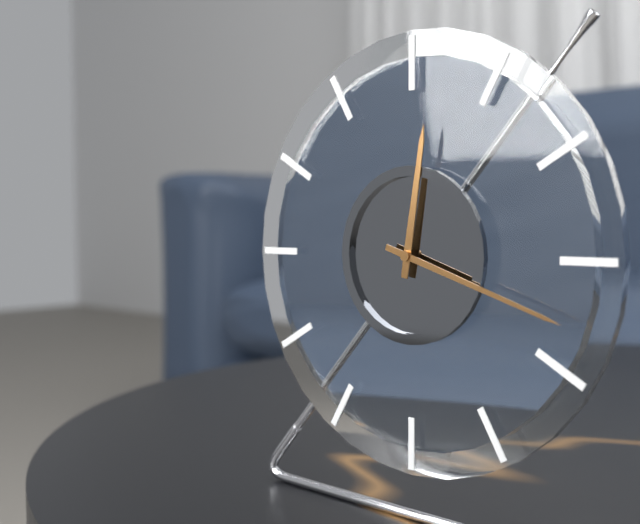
12:18
